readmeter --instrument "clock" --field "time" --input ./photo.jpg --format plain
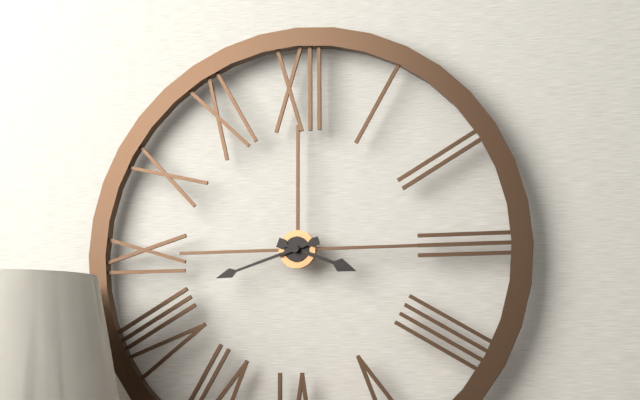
3:42
